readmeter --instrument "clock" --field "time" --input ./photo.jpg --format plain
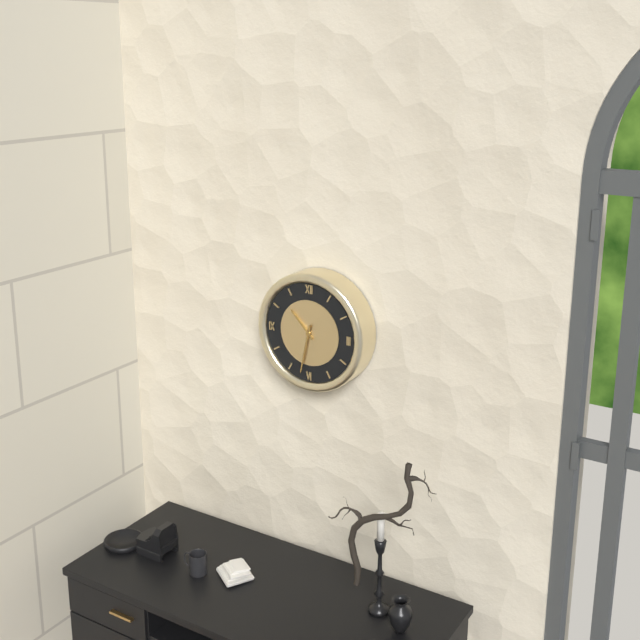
10:32
